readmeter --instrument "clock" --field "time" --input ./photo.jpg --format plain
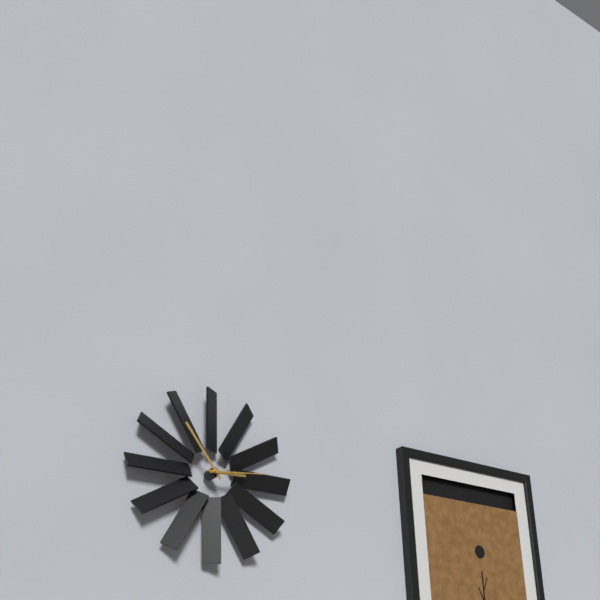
2:54:14
